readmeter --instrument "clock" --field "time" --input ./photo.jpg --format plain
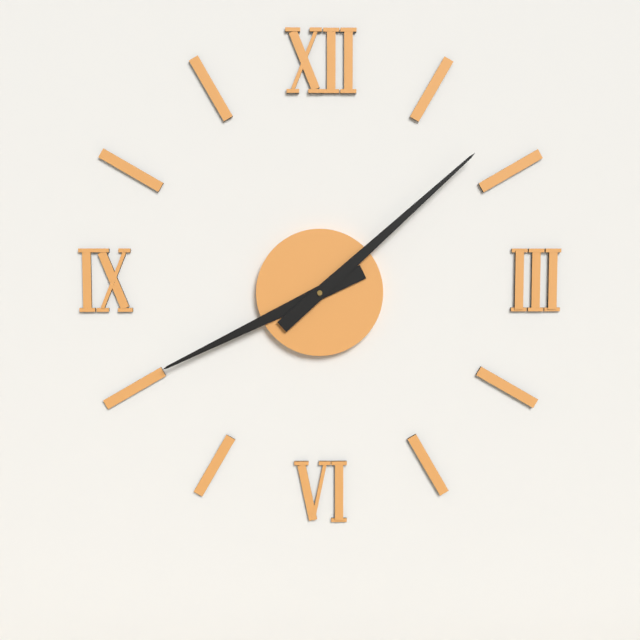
8:08
